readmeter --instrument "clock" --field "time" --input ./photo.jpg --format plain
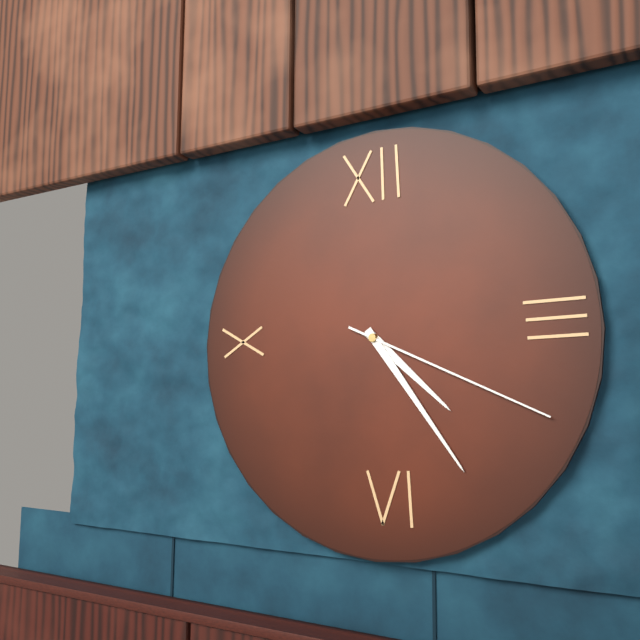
4:24:19
